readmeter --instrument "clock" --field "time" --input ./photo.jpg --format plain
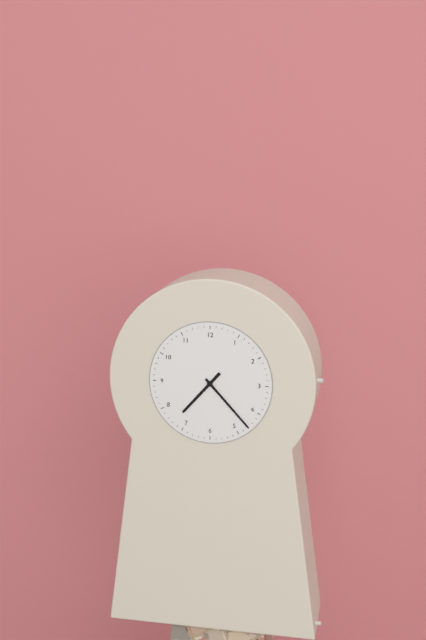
7:23
